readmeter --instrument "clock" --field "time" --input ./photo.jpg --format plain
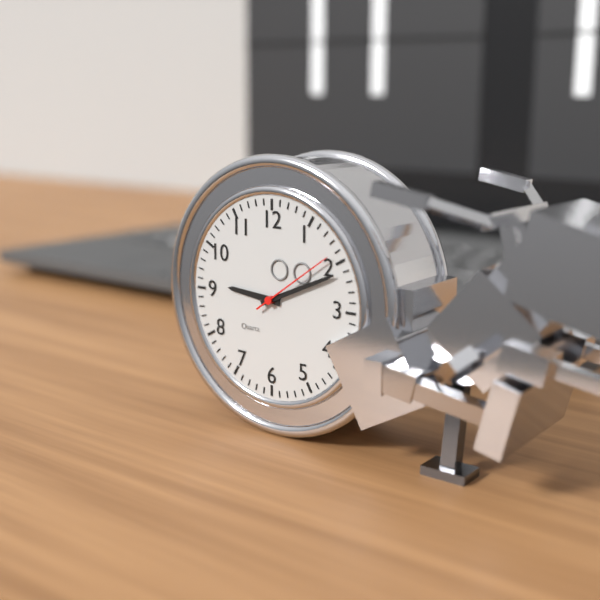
9:11:09
